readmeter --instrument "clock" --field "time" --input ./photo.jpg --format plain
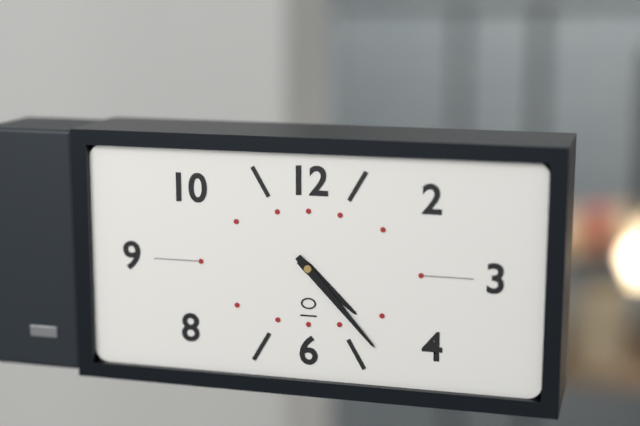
4:23
